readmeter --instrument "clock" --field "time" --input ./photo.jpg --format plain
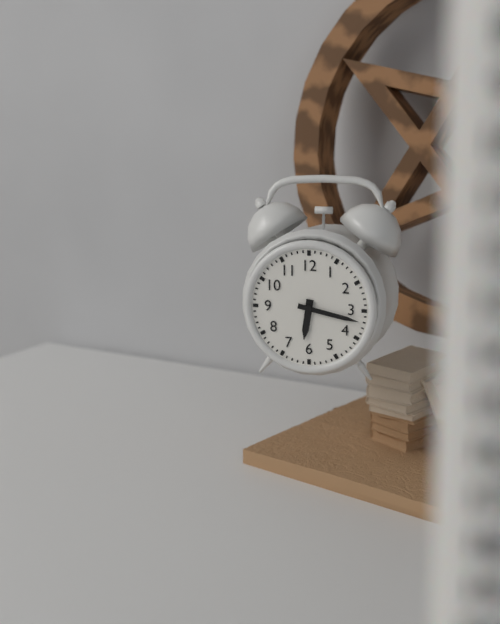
6:17
